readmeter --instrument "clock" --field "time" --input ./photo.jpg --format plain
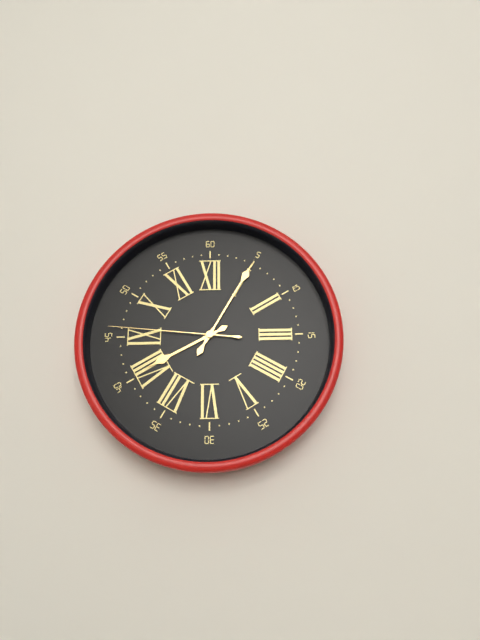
8:05:46
